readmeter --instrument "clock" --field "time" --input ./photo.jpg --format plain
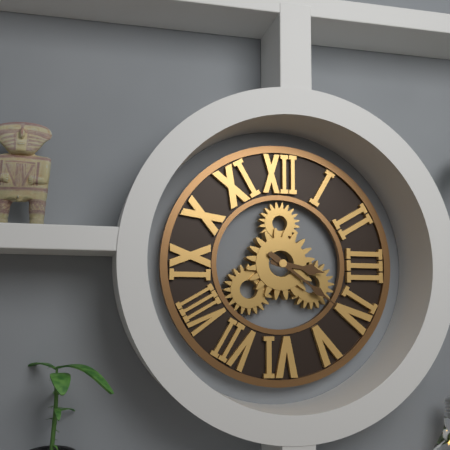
3:21
